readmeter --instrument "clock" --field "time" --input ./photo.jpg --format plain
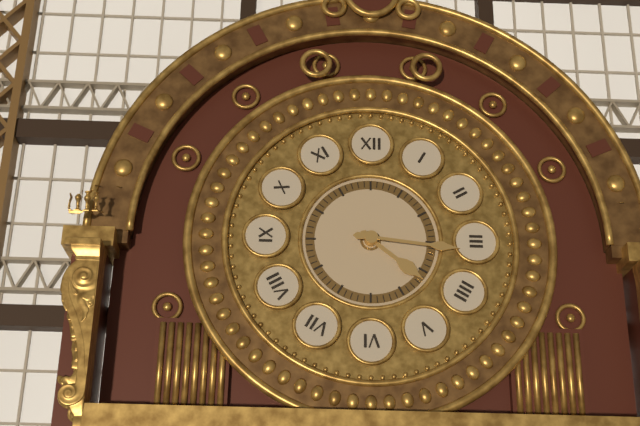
4:16
